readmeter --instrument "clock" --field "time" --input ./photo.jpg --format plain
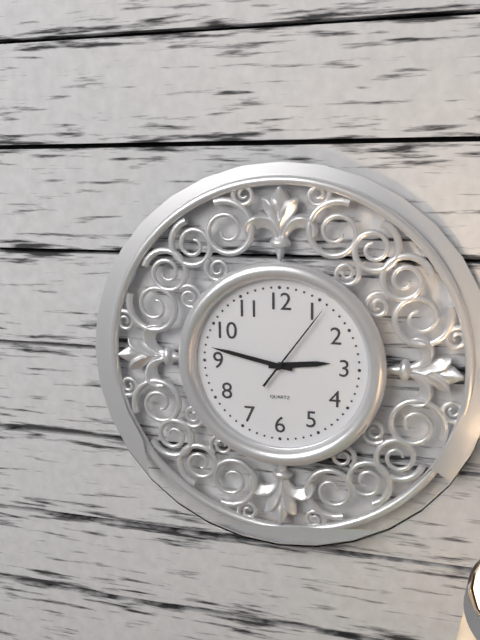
2:47:06
